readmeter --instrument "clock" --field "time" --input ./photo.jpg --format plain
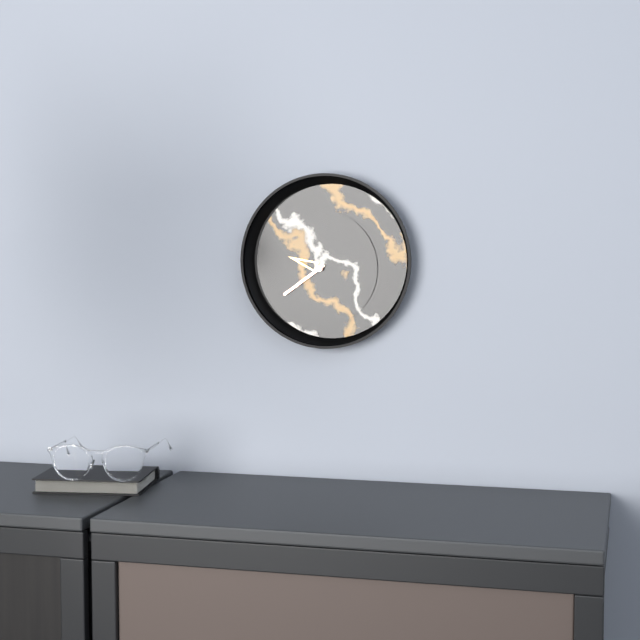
9:39
